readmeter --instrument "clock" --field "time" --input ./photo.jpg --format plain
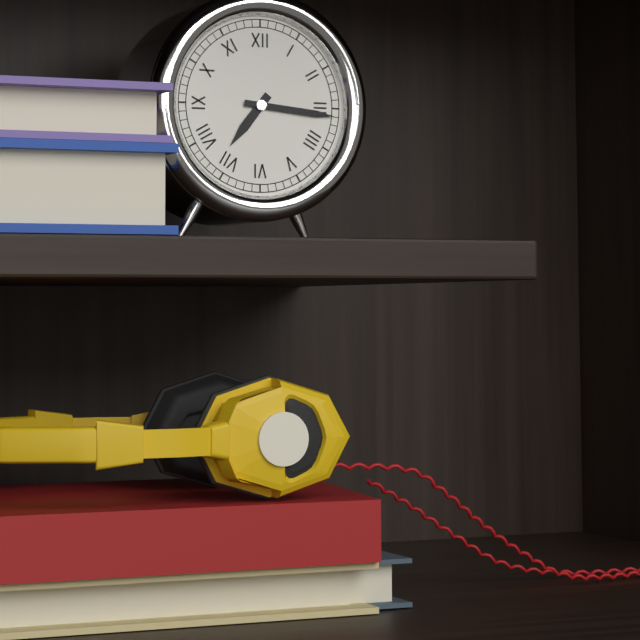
7:16
